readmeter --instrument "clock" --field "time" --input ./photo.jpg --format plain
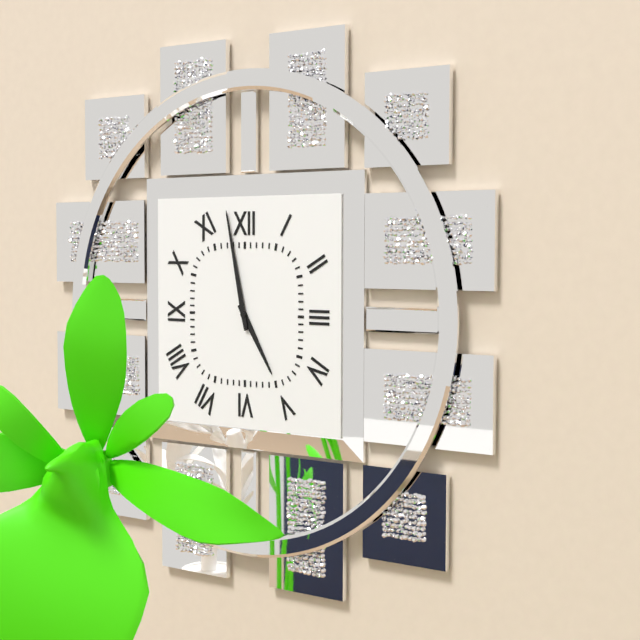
4:58
